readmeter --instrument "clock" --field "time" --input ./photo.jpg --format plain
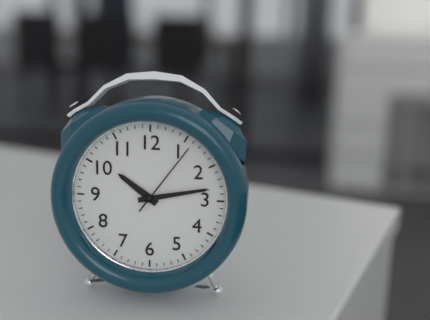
10:13:06
